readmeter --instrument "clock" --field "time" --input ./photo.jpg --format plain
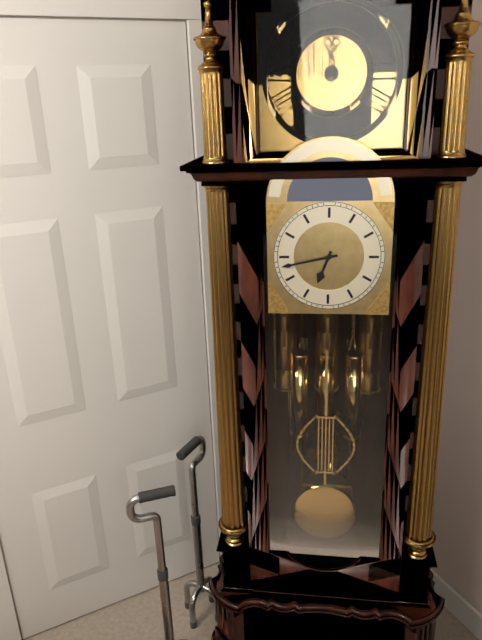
6:43
